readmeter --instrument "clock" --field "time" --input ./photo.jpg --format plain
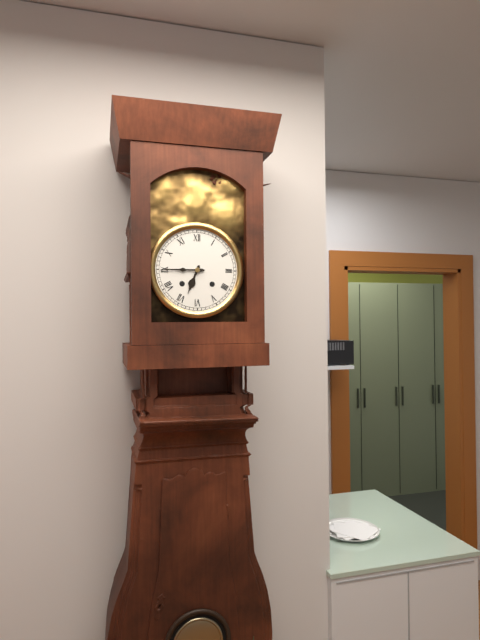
6:45
